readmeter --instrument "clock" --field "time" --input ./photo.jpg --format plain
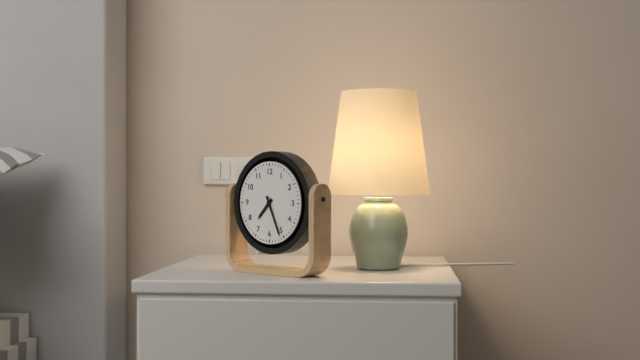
7:26
